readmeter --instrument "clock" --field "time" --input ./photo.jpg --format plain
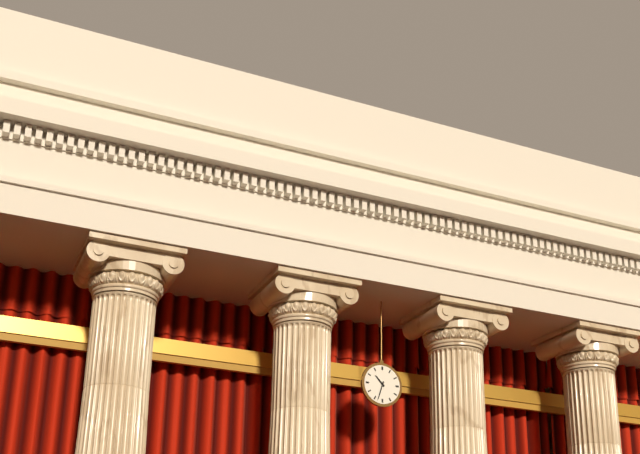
10:33
